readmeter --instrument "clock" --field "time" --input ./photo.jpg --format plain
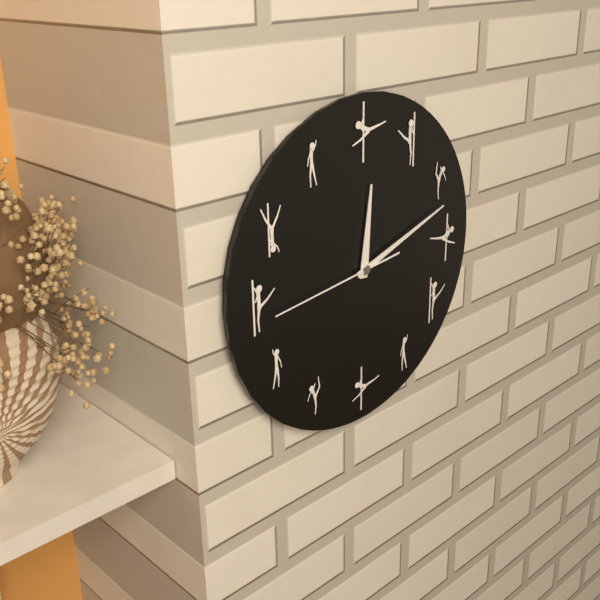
12:12:44
